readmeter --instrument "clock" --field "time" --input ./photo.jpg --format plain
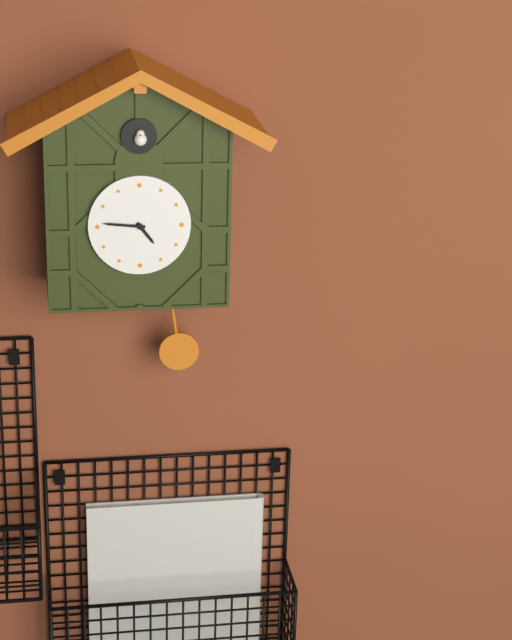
4:46
